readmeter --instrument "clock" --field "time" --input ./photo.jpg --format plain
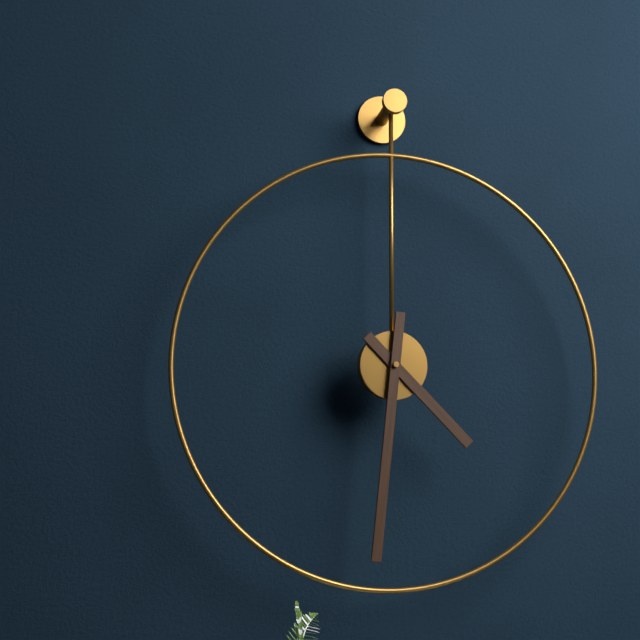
4:31
